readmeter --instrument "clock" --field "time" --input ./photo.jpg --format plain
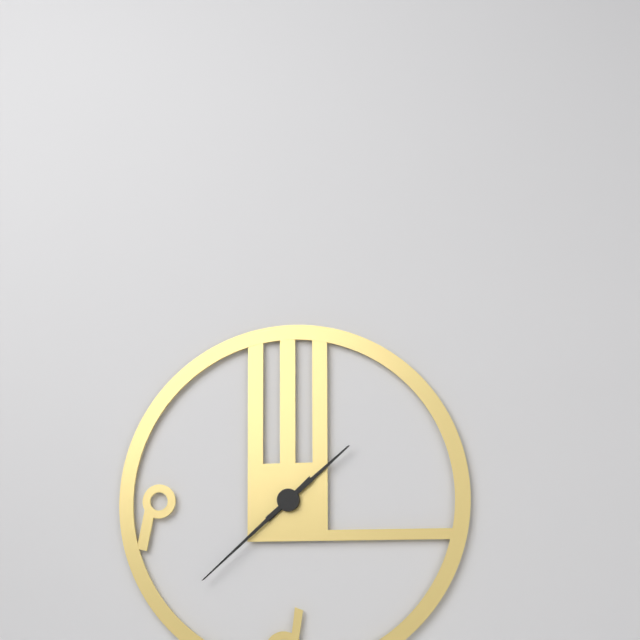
1:38
